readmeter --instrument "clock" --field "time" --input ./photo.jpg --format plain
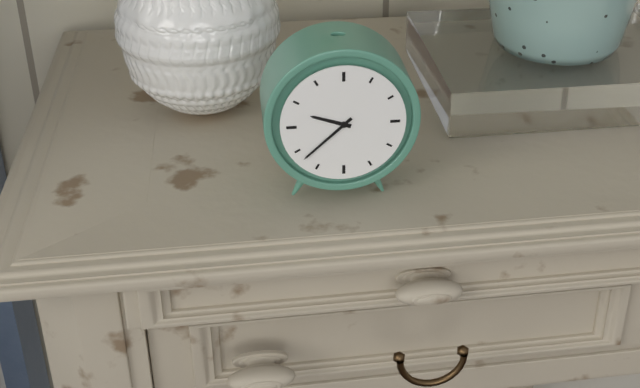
9:38
